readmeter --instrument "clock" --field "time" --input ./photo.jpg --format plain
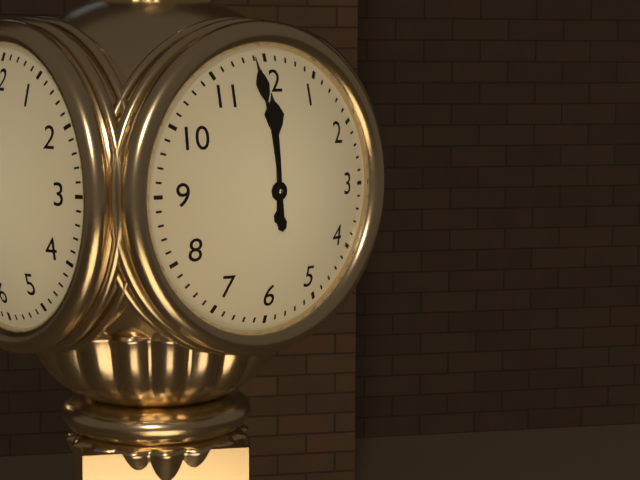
11:59
